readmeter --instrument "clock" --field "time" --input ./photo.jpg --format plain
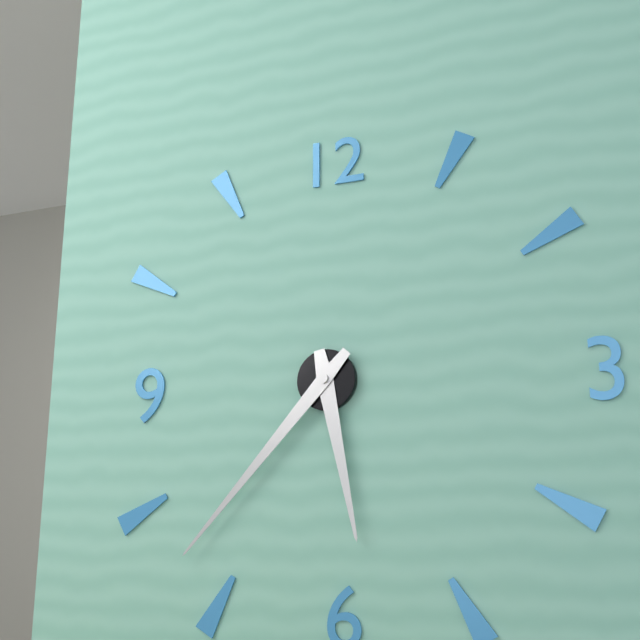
5:37
